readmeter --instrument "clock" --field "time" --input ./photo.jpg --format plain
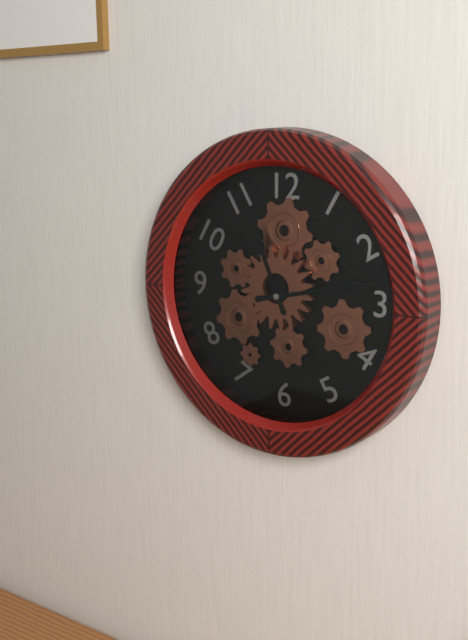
11:13
